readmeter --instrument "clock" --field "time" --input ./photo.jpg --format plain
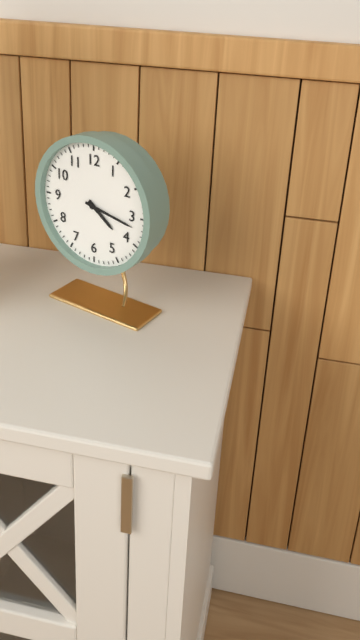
4:17
